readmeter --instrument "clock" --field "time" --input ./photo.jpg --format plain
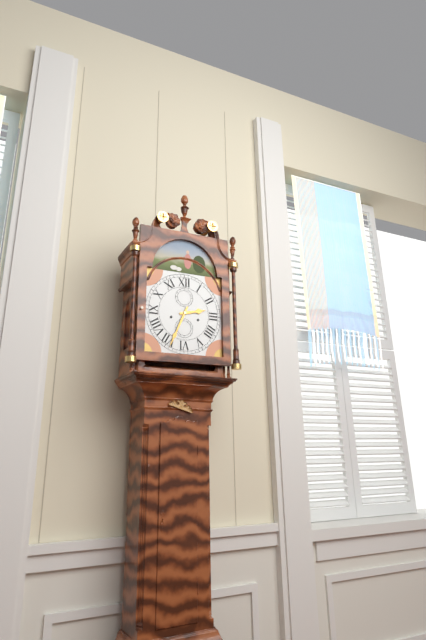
2:34
